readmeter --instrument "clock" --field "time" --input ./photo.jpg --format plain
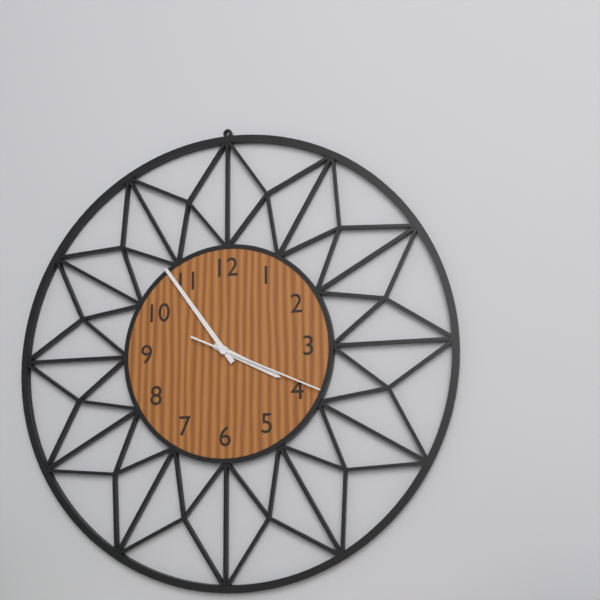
3:54:19
